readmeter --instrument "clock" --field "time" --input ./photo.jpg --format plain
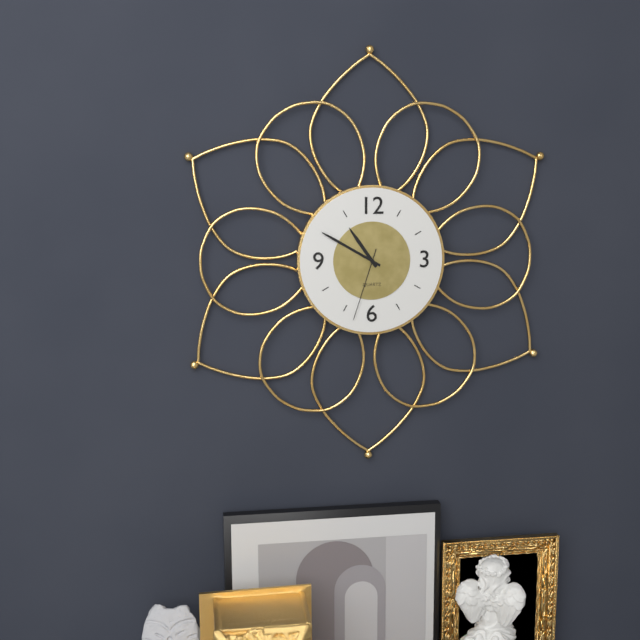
10:50:33
